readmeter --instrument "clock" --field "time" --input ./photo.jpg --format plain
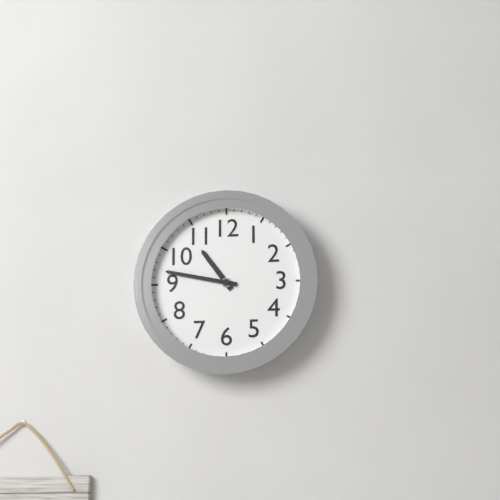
10:47
